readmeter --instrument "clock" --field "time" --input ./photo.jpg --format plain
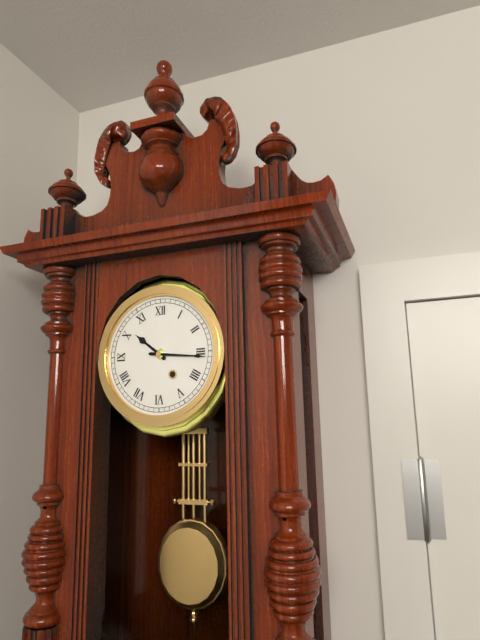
10:16
